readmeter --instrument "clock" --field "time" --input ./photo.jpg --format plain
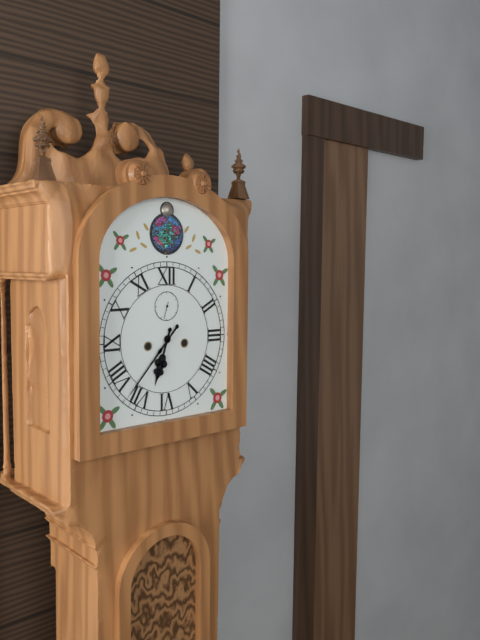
6:37
